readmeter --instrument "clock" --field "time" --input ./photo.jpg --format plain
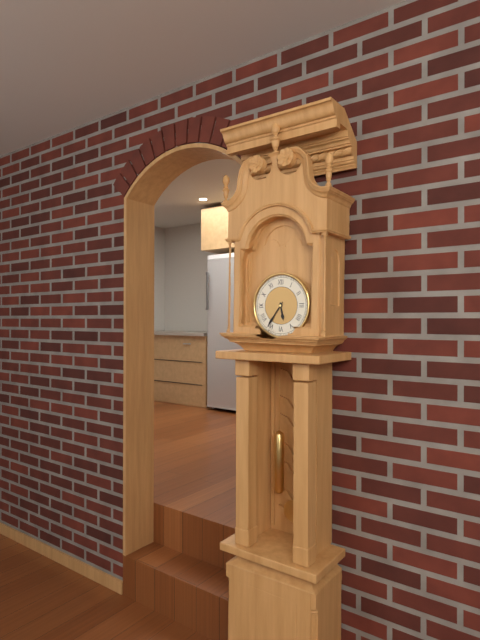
5:36
